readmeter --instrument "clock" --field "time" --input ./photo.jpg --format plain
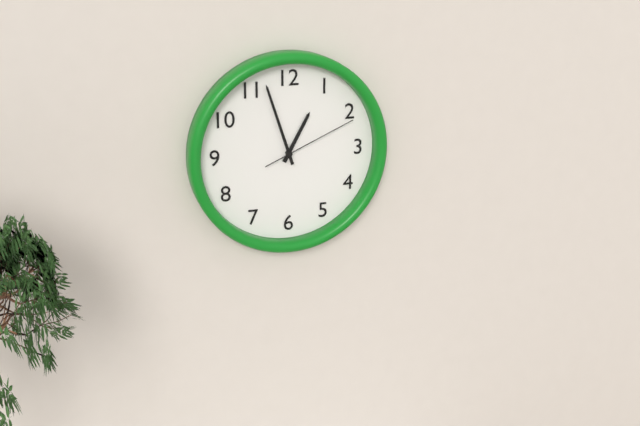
12:57:11
